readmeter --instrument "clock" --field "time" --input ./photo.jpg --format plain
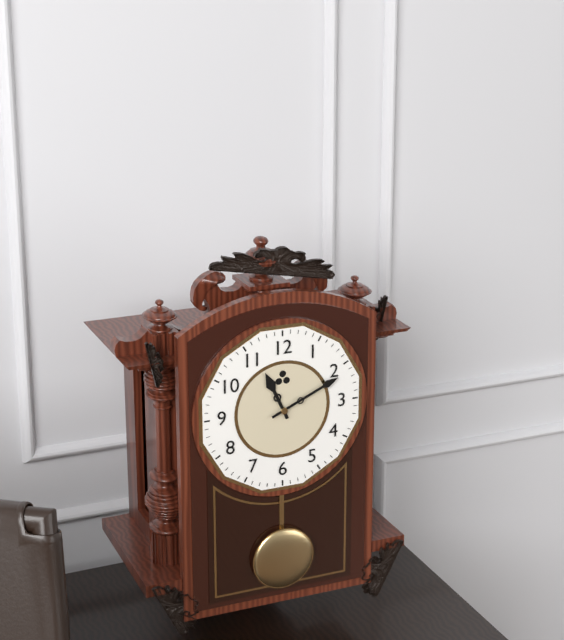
11:11
